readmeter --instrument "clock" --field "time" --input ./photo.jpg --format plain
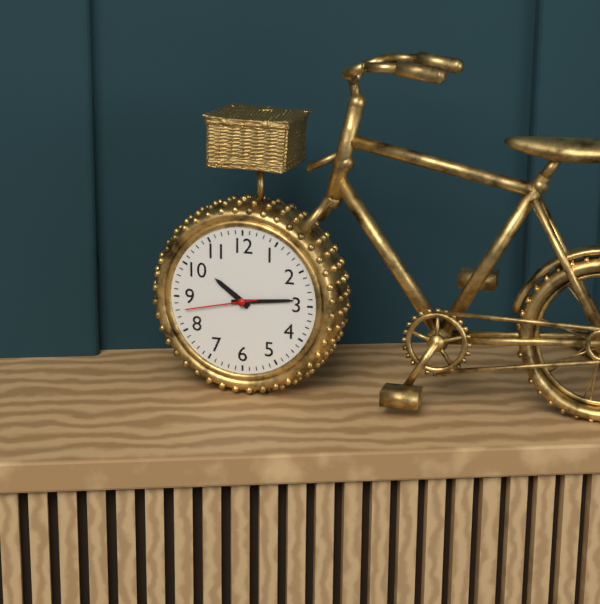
10:14:43
